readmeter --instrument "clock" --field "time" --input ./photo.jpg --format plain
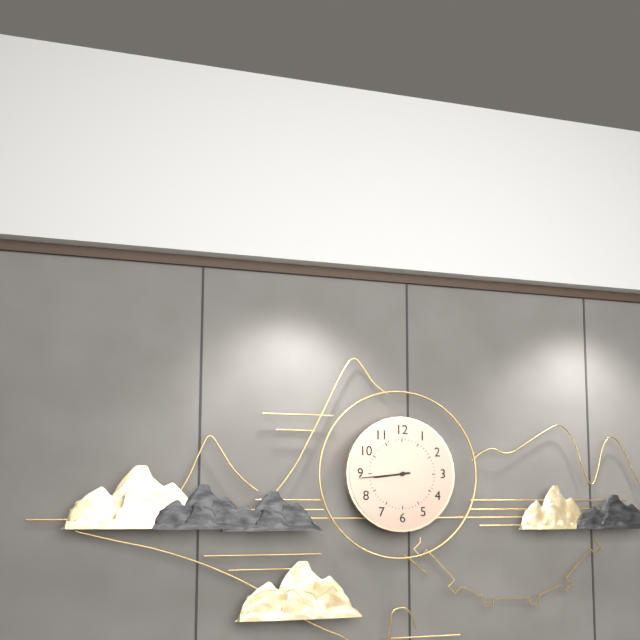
8:44
